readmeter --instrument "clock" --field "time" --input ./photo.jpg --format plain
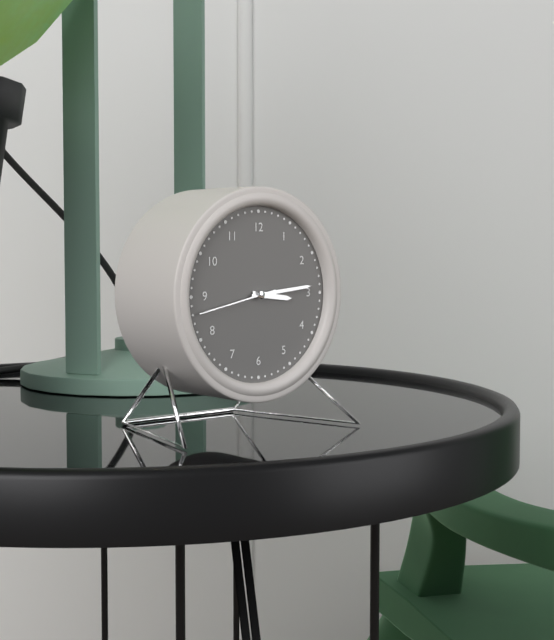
3:14:43
